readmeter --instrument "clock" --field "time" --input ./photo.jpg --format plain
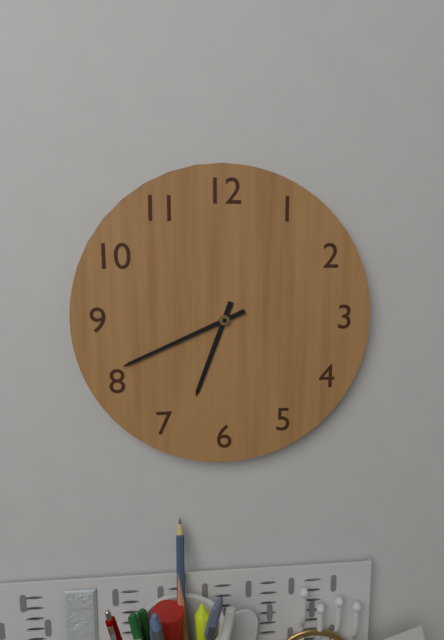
6:41
